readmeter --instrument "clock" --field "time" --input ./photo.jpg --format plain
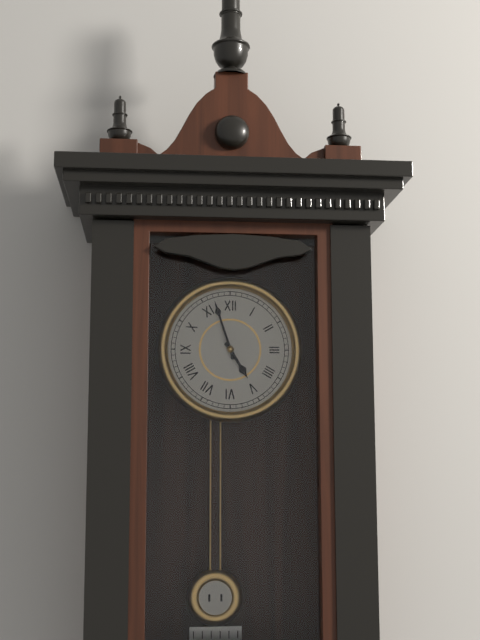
4:57
